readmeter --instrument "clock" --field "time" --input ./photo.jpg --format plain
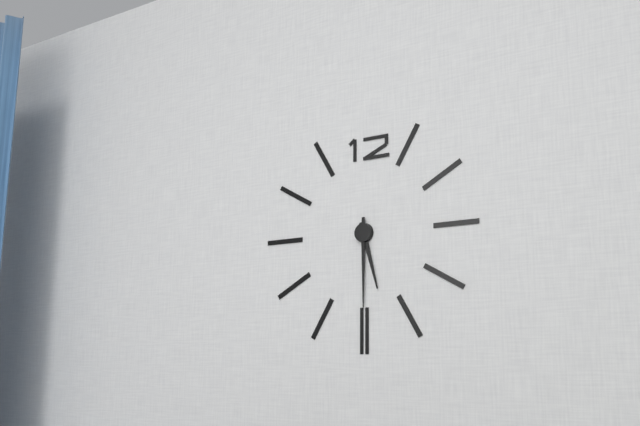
5:30
